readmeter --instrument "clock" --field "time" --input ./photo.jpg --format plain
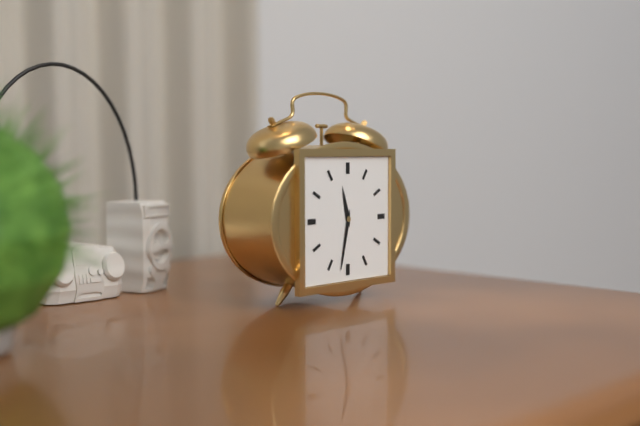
11:32
